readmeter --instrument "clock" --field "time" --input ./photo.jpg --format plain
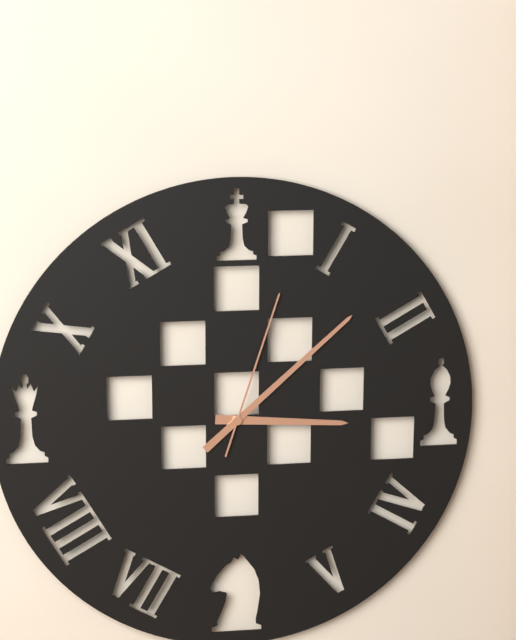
3:08:03
